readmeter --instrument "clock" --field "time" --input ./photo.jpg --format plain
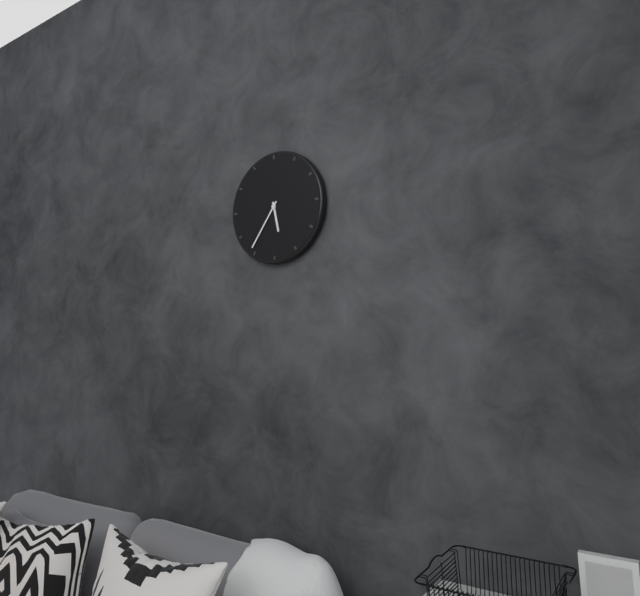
5:36
